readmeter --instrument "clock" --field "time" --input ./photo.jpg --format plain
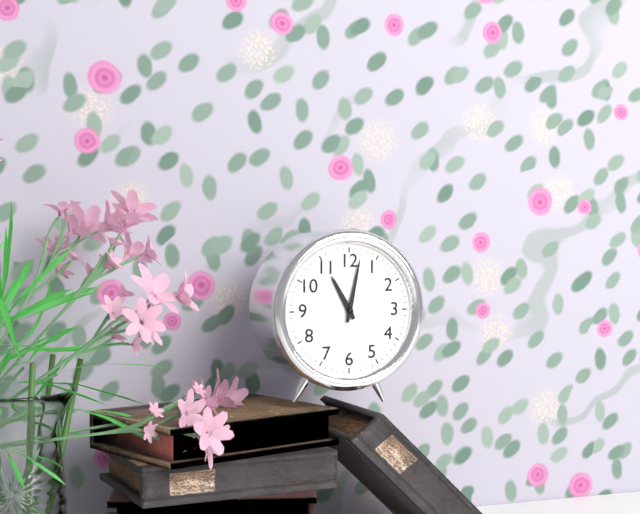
11:02
